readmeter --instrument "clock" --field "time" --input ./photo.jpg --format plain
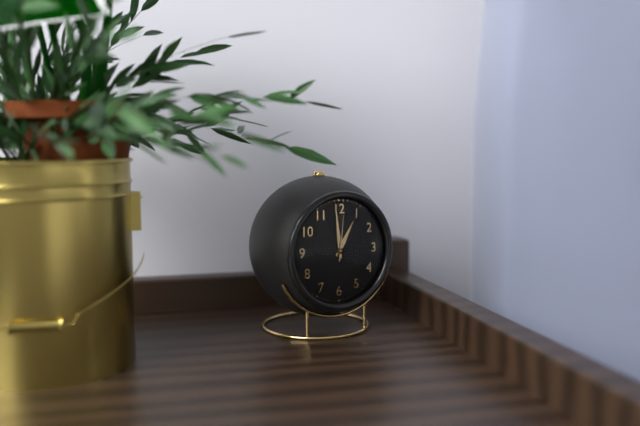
12:59
